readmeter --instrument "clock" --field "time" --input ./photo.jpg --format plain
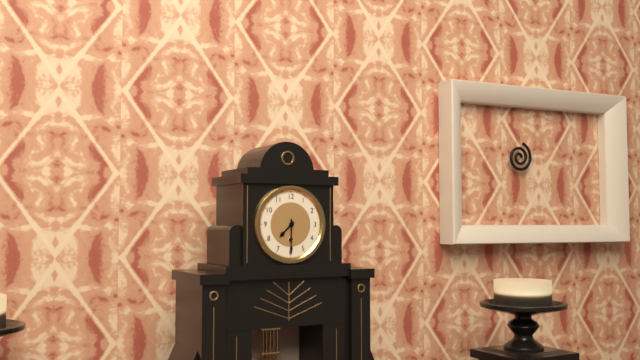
7:30
